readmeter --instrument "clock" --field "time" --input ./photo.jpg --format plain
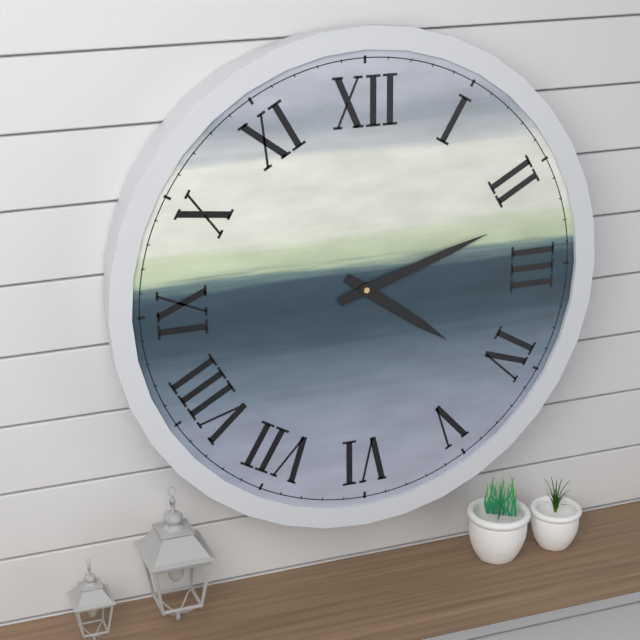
4:12
